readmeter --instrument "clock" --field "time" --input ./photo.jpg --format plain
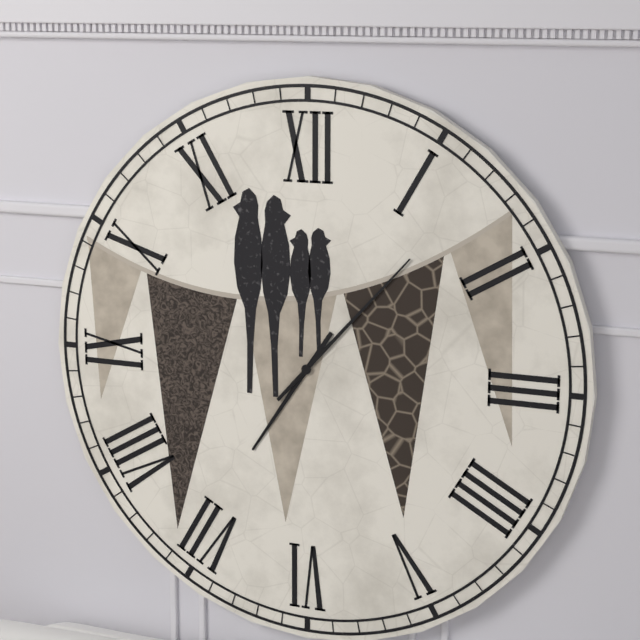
7:07
